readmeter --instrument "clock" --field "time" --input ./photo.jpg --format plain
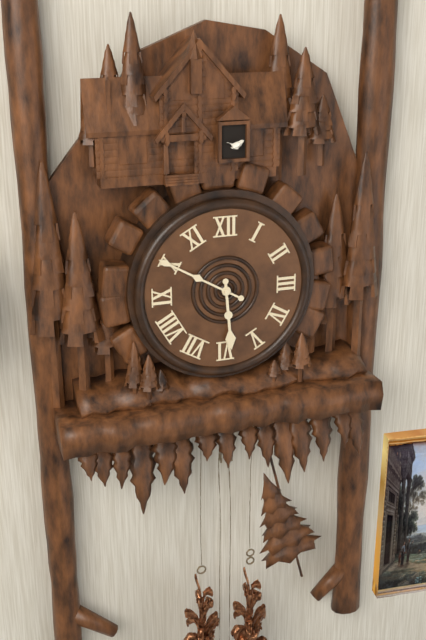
5:50
